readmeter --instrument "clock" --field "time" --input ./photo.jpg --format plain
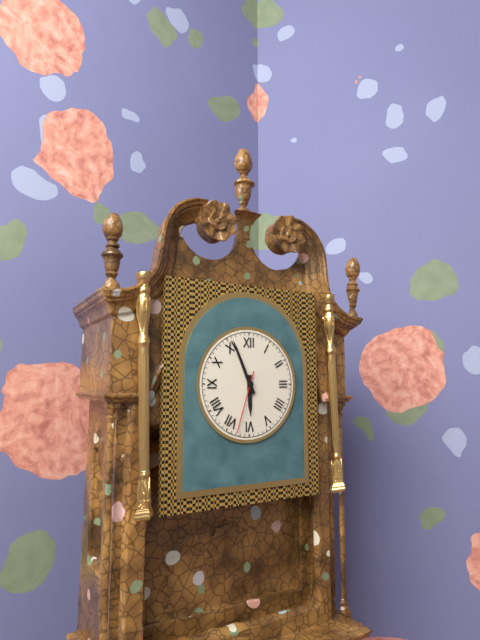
5:56:33
